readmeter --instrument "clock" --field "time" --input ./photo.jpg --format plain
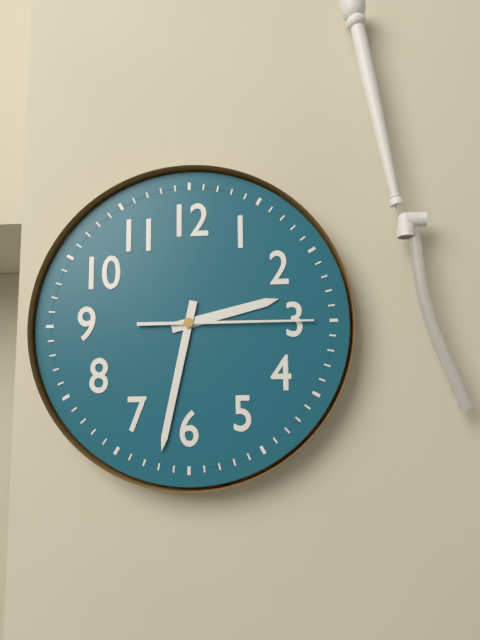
2:32:15
